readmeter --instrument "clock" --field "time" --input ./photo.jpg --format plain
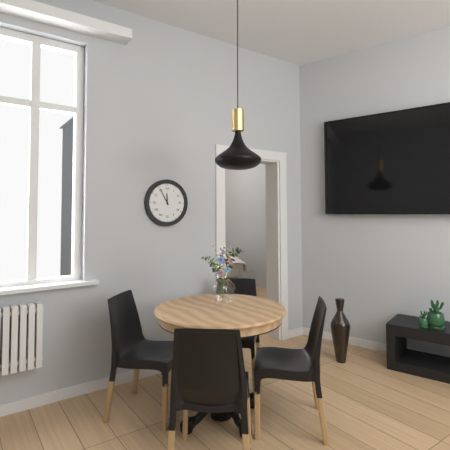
11:55
